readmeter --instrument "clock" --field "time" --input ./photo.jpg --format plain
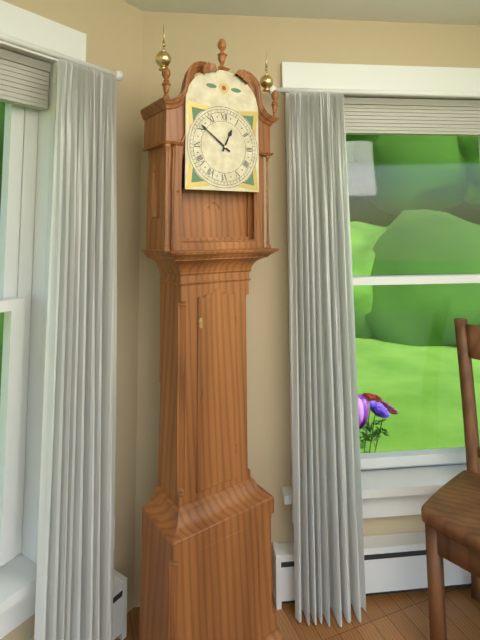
12:51
